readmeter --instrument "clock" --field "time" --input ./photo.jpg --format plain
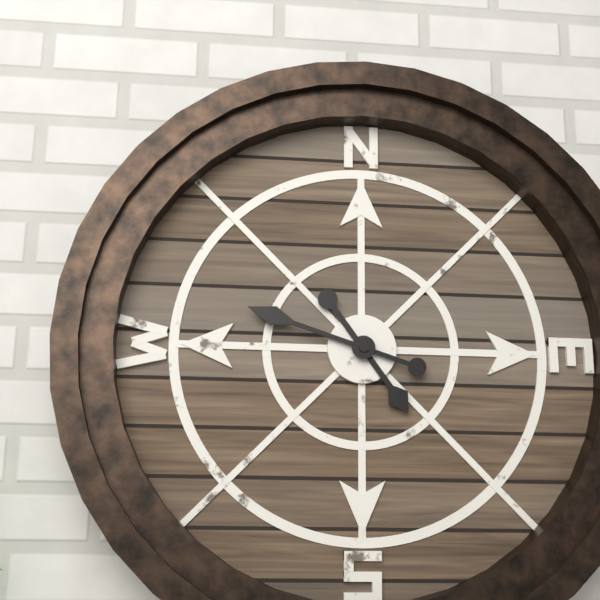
4:48
